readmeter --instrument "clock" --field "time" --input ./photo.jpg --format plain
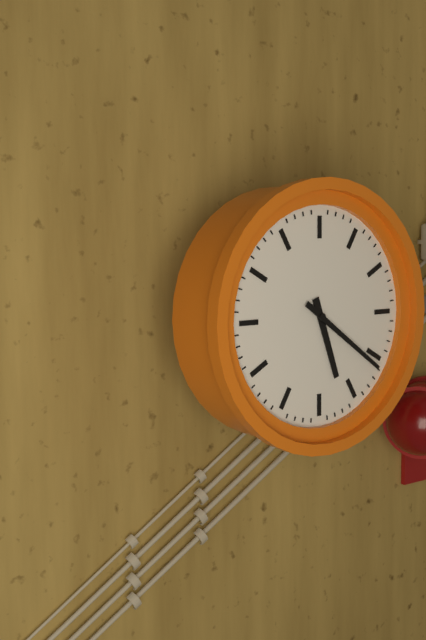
5:21
